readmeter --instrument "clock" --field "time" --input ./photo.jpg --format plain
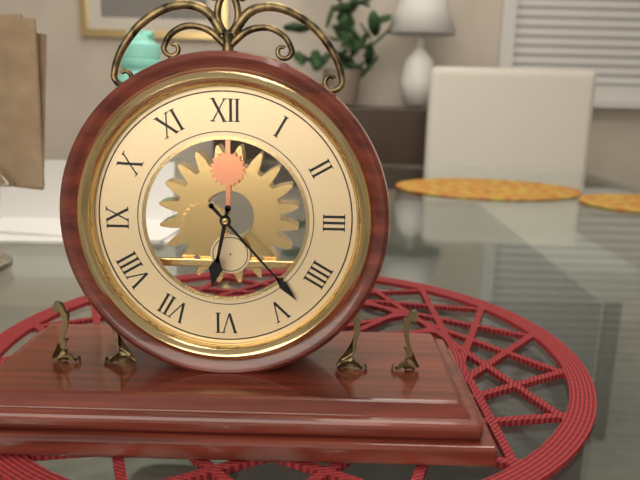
6:23
